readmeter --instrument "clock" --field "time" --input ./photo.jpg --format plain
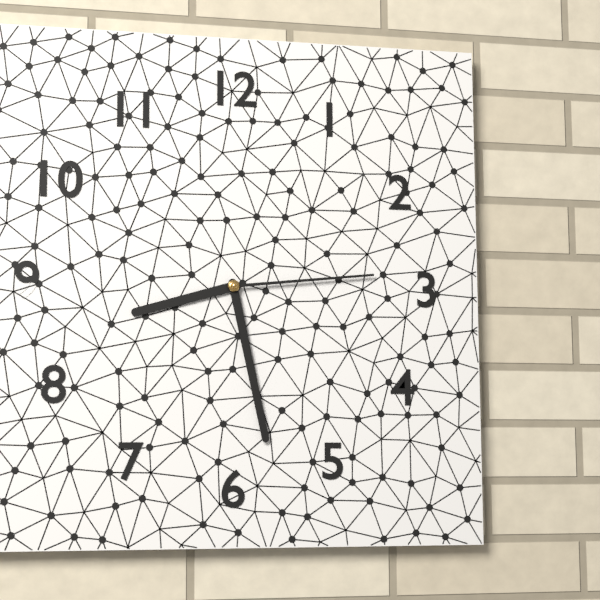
8:28:14
